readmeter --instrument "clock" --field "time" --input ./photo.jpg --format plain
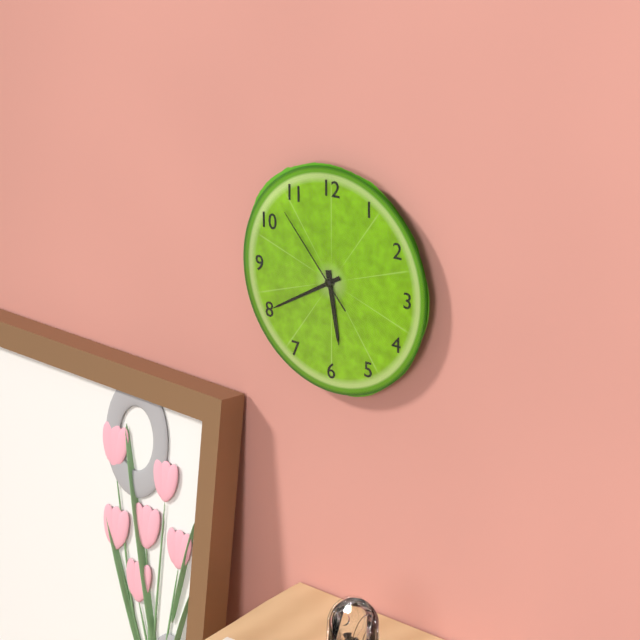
5:40:53
